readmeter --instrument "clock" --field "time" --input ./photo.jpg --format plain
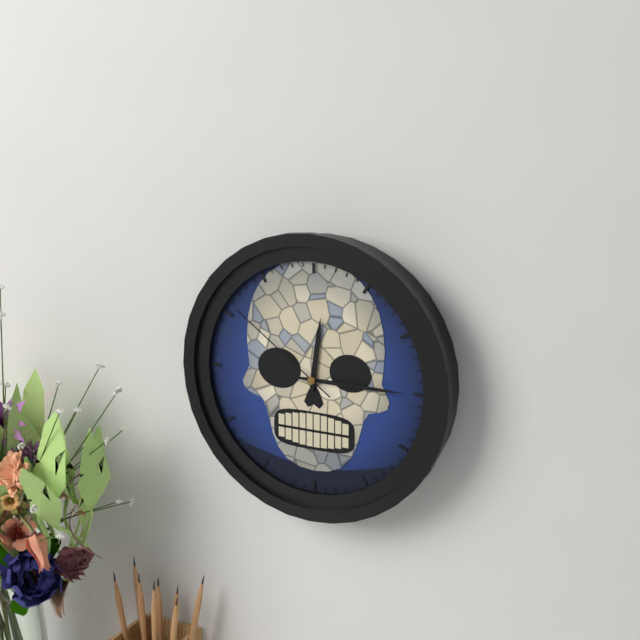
12:15:51
